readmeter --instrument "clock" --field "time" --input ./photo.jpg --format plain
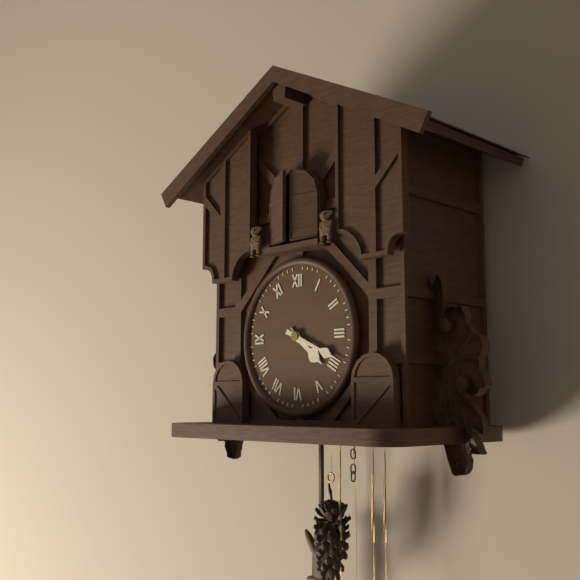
4:19
